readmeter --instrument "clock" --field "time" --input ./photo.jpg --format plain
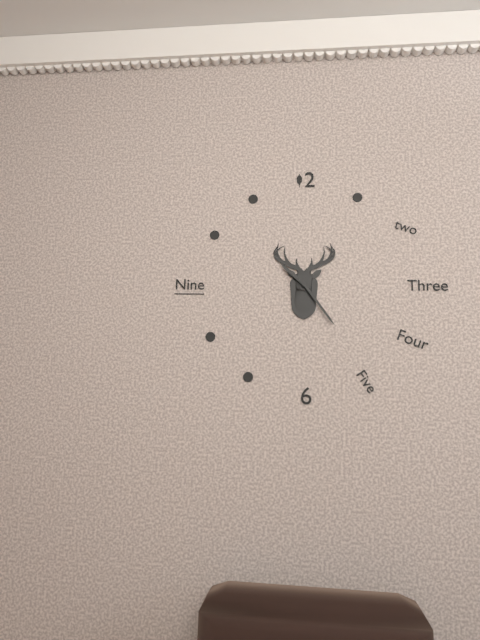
10:24
